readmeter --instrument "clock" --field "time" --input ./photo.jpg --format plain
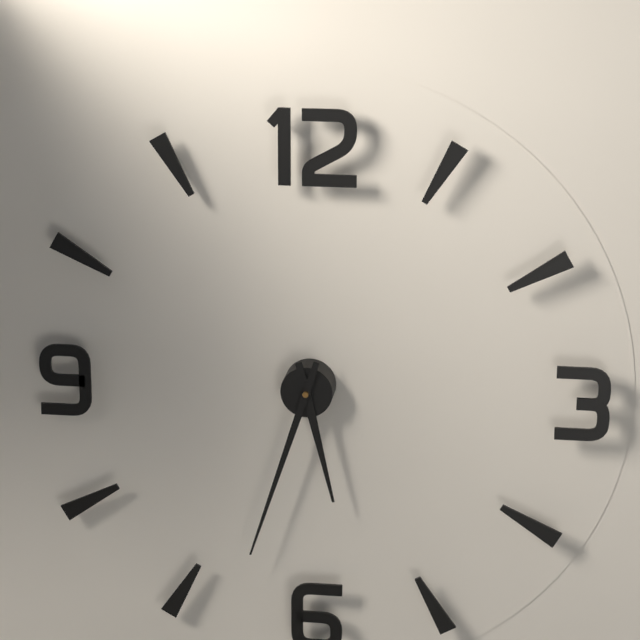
5:33
